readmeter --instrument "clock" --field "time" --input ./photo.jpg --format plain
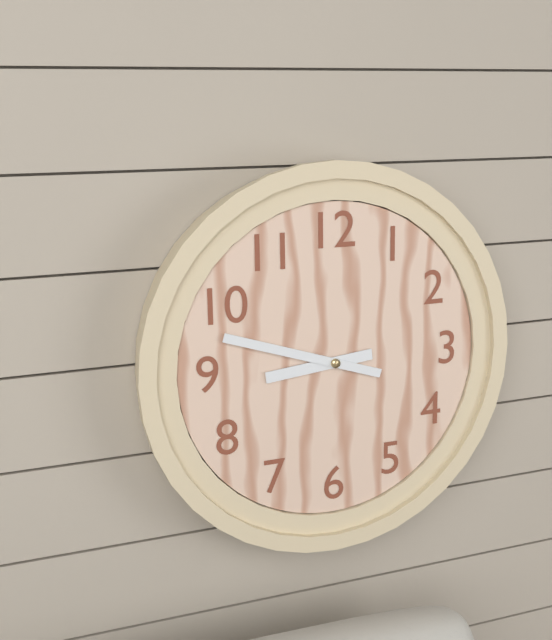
8:48
